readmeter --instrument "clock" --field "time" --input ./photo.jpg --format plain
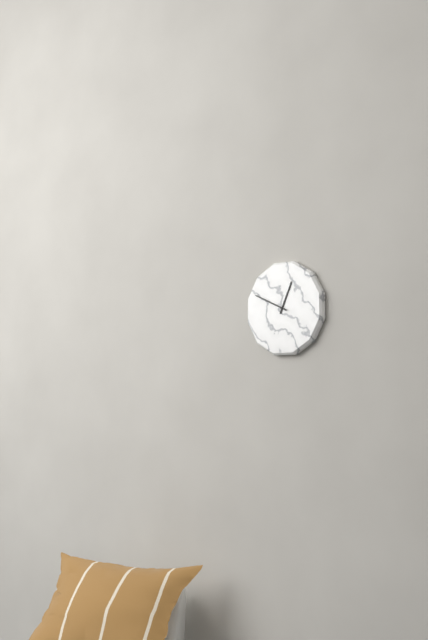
12:49
